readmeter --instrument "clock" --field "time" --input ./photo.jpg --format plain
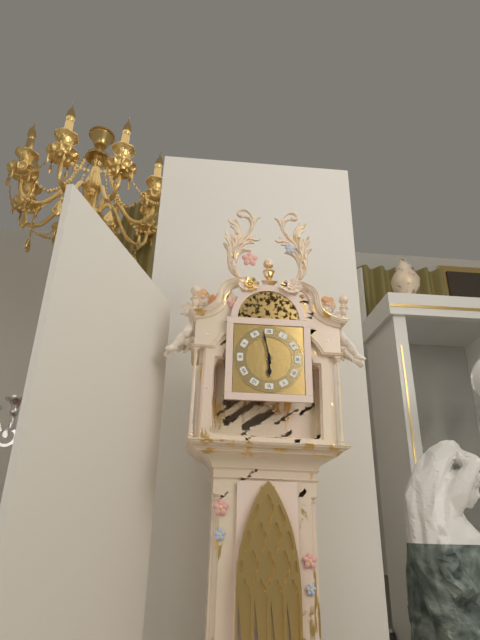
5:58
